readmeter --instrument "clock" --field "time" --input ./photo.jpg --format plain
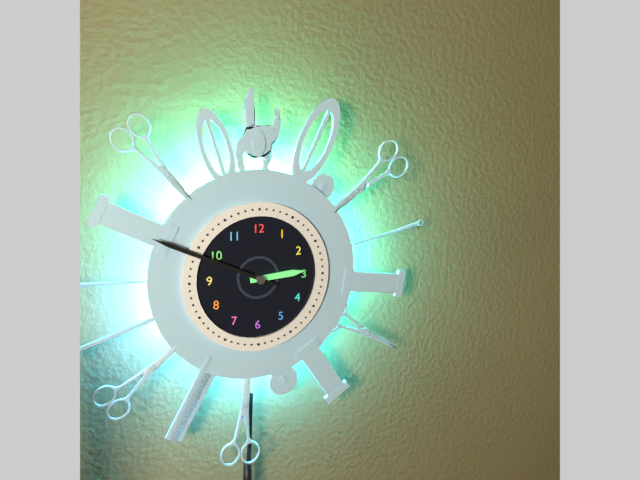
2:49
